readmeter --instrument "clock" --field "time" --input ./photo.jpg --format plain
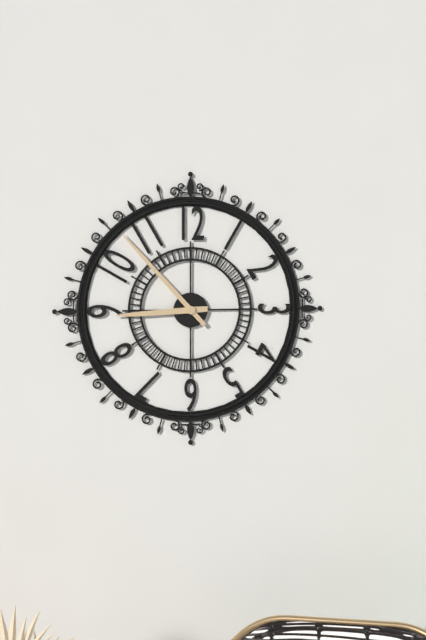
8:53
